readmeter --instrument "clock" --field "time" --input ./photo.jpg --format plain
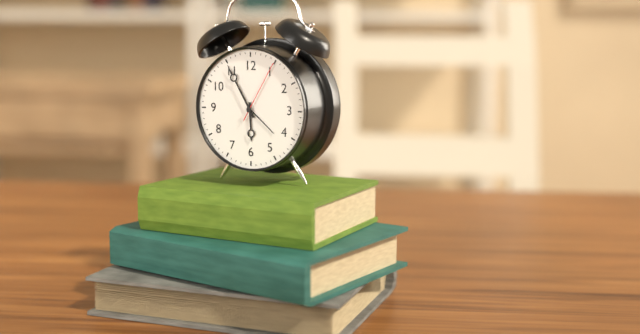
5:55:05
